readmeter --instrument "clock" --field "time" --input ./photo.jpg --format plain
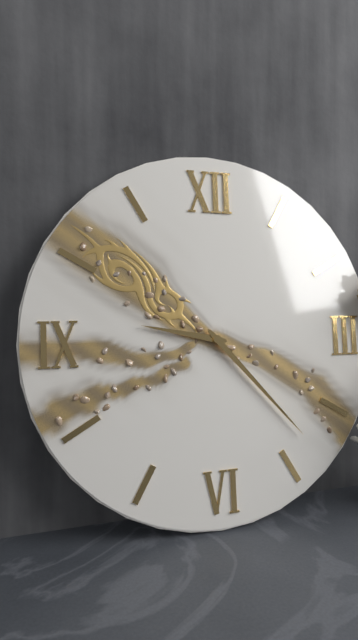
9:23
